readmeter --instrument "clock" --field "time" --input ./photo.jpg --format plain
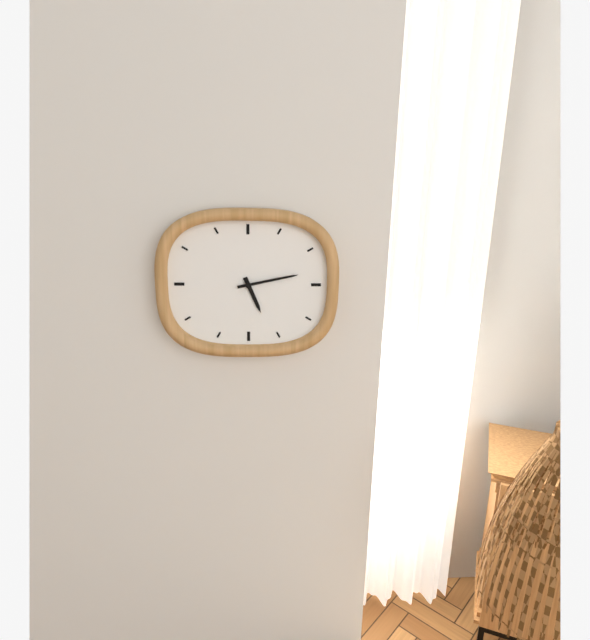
5:13
